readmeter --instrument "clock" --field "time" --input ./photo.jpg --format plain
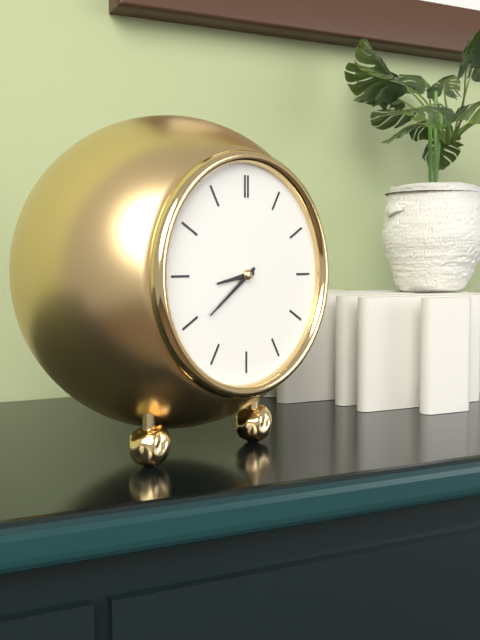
8:39
